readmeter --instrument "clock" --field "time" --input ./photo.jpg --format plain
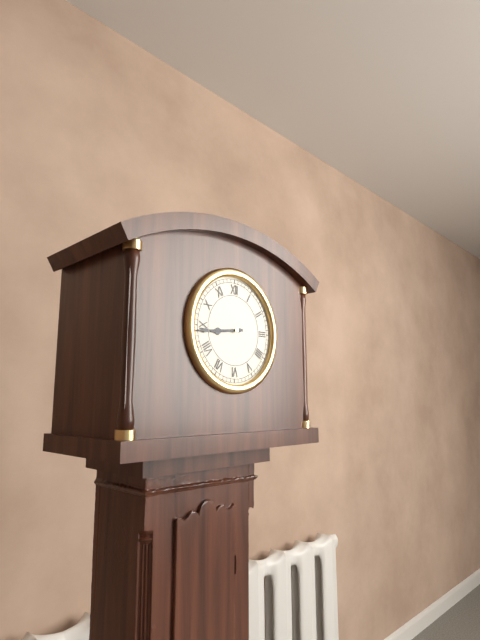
8:44
